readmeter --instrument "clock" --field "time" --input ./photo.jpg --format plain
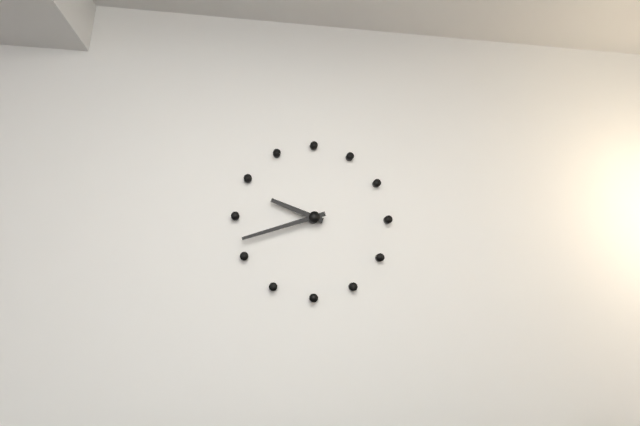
9:42
